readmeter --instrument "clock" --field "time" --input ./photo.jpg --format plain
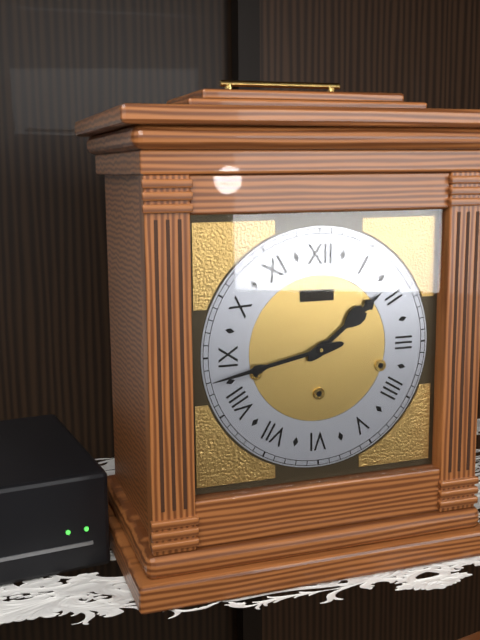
1:43
